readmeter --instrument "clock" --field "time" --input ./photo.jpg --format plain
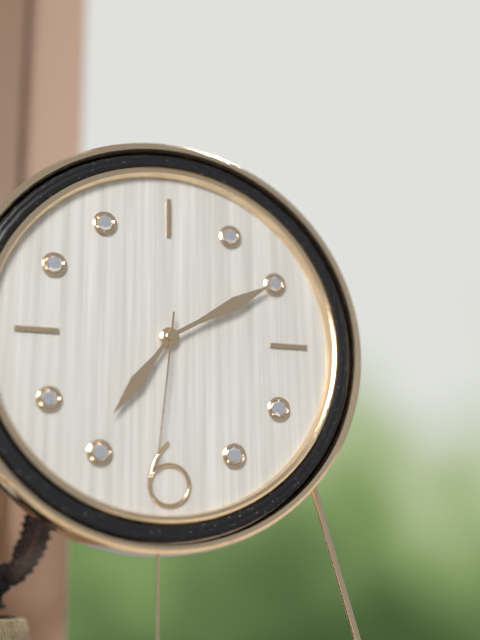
7:10:31
